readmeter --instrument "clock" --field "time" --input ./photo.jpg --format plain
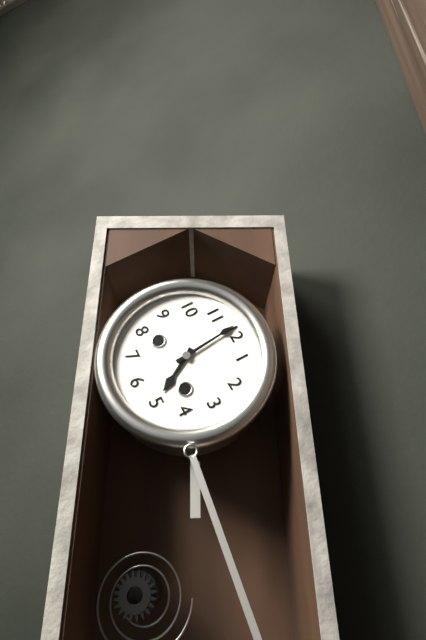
4:59
